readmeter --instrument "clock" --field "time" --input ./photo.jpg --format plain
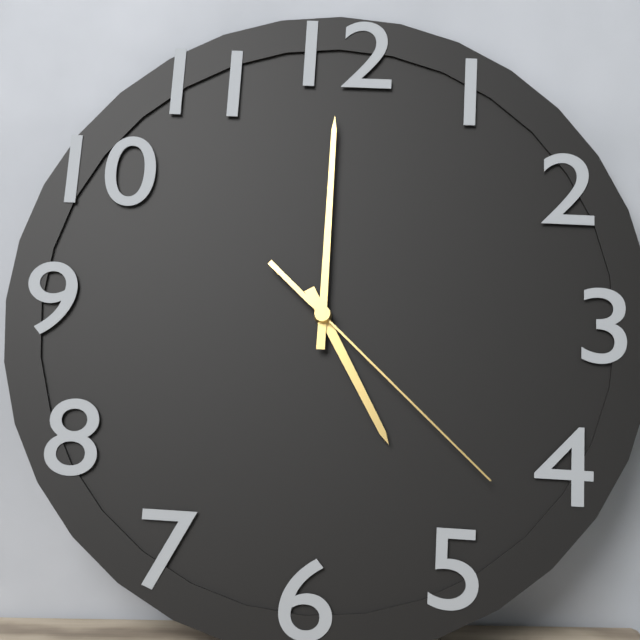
5:00:22
